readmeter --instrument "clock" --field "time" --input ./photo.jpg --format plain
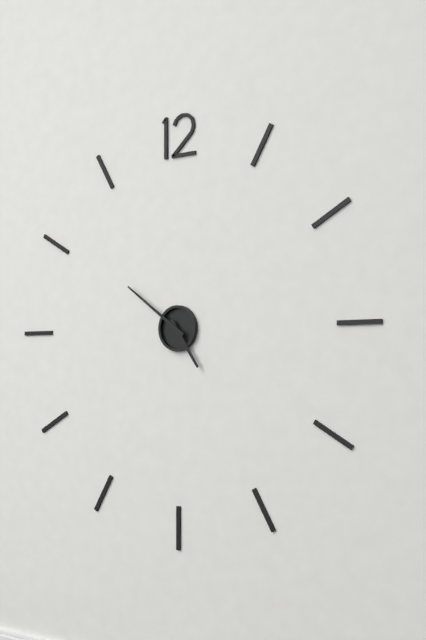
4:51
